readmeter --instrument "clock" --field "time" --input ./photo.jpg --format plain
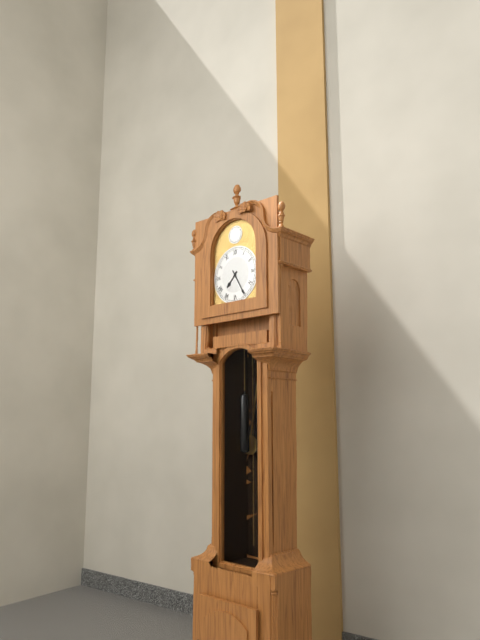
7:25
